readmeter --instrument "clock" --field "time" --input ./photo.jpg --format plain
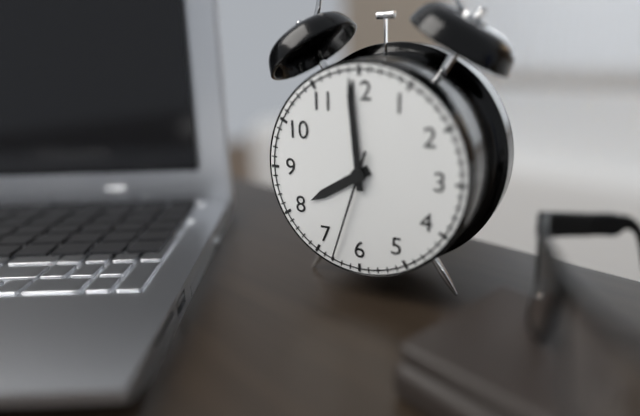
7:59:33
